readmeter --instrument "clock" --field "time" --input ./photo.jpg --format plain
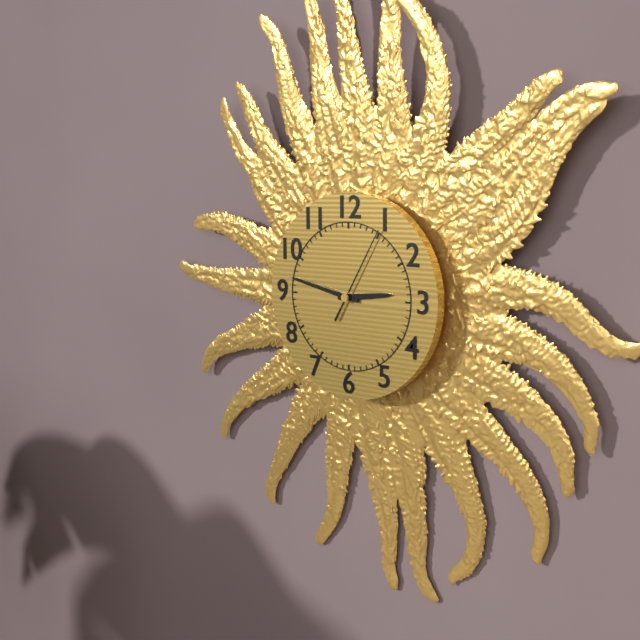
2:47:05
